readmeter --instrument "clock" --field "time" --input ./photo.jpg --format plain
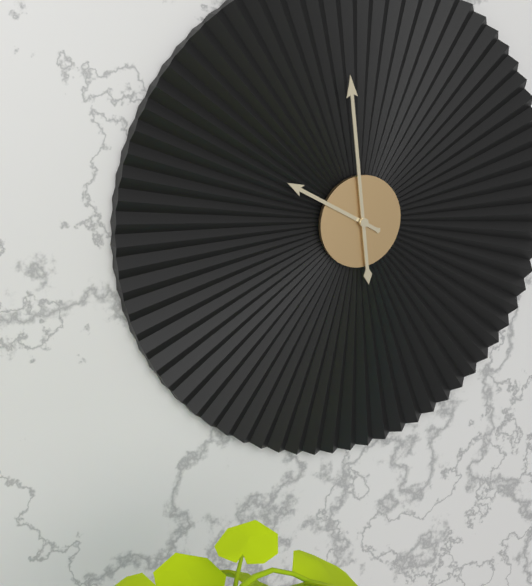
9:59
